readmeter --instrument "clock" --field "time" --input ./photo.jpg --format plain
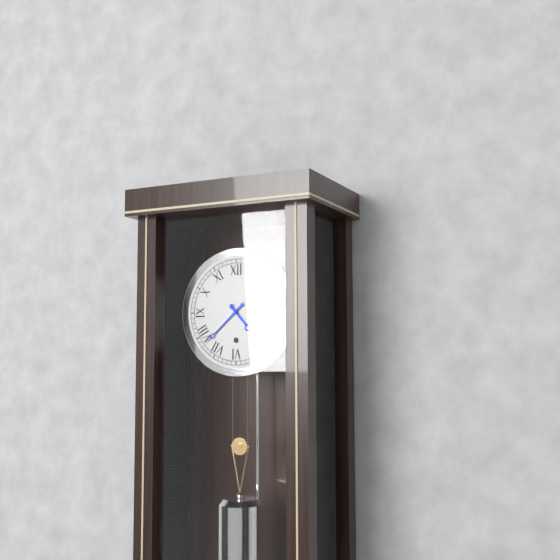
4:38
